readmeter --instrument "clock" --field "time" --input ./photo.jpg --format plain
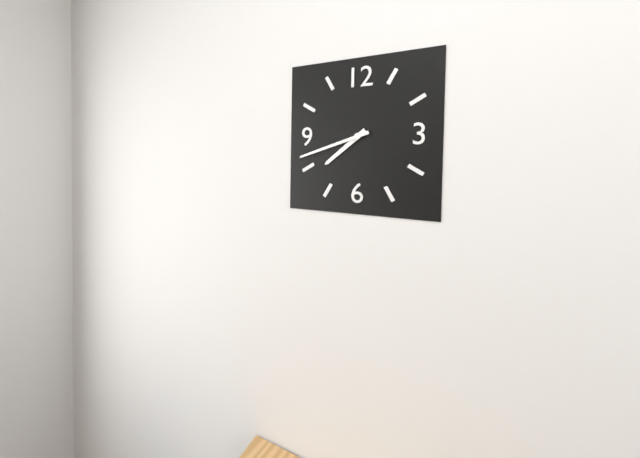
7:42
